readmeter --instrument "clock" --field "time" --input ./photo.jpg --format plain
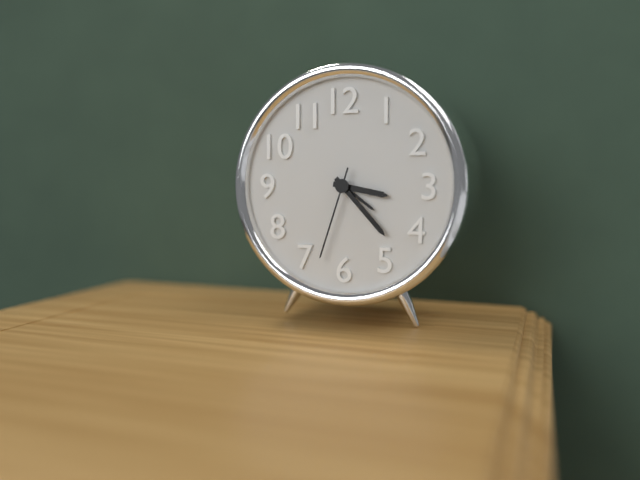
3:23:33
